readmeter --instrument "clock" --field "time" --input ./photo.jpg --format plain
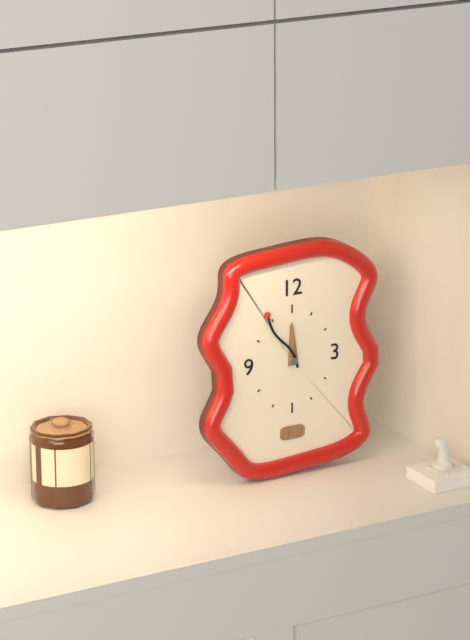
11:55
